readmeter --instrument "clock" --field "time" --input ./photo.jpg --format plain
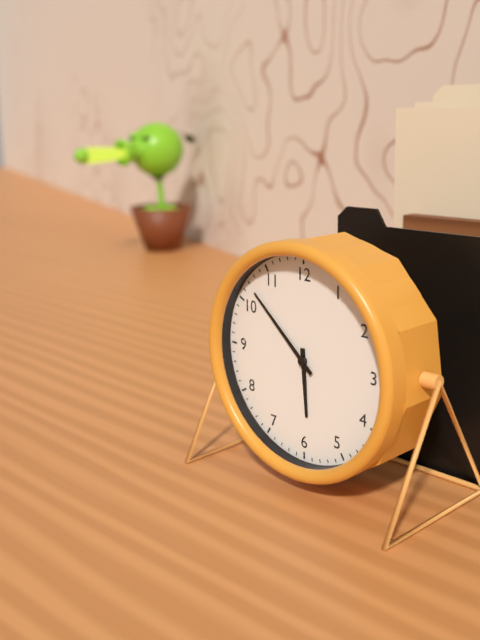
5:52
